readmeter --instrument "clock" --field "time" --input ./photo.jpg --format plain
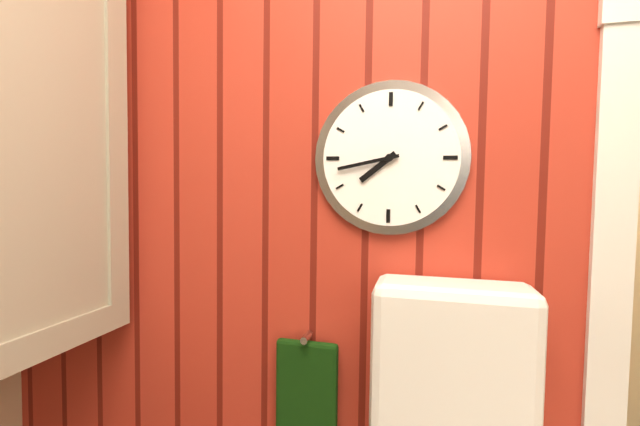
7:43
